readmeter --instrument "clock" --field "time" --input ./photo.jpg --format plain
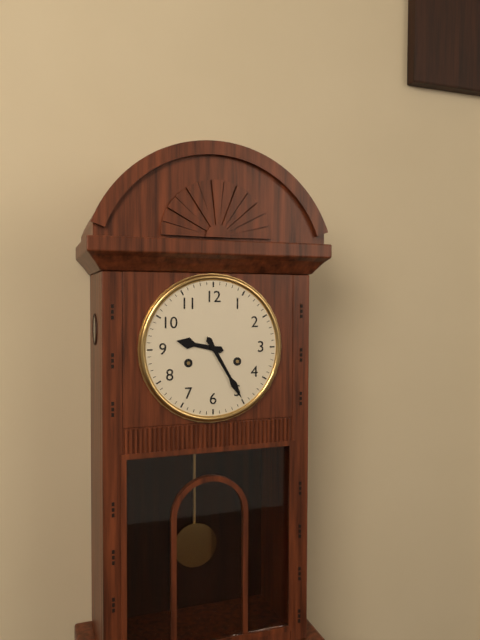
9:25
